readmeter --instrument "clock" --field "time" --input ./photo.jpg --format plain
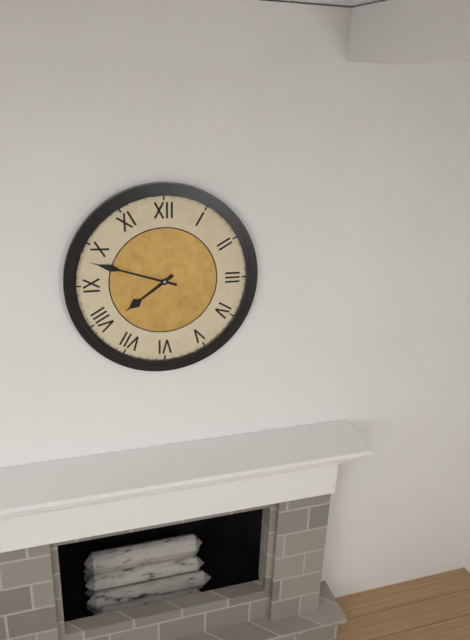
7:48
